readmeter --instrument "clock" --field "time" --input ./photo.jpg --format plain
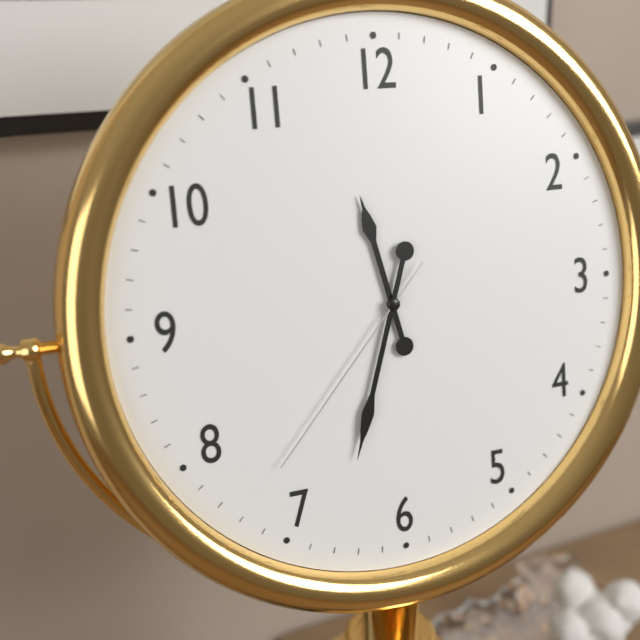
11:33:37
